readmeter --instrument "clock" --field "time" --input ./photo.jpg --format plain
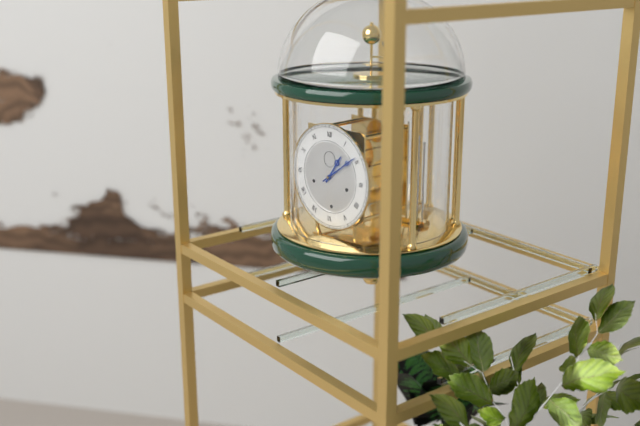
1:09
